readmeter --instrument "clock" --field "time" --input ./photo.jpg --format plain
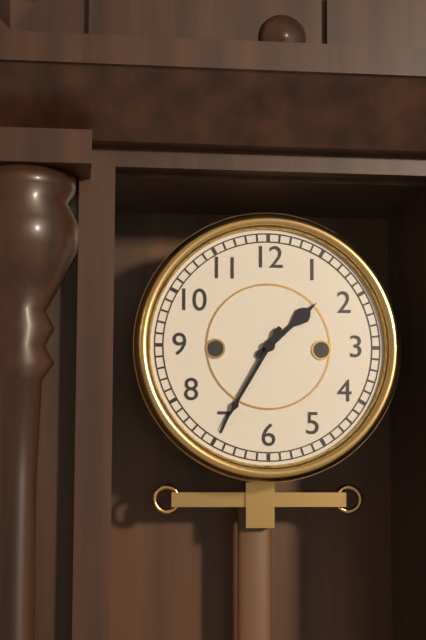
1:35
